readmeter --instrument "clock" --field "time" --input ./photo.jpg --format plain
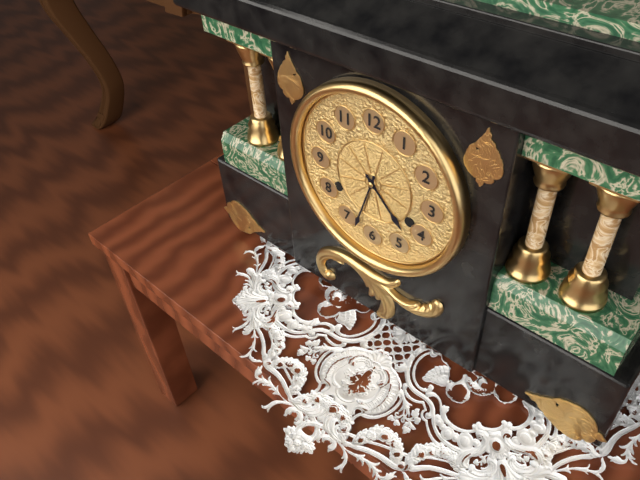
4:33
